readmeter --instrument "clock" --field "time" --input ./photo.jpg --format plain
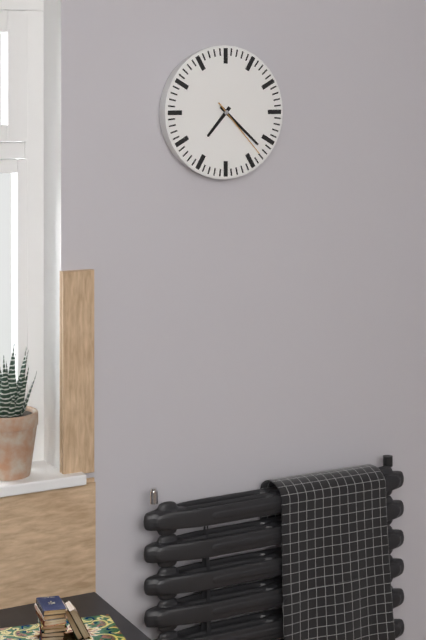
7:22:23
